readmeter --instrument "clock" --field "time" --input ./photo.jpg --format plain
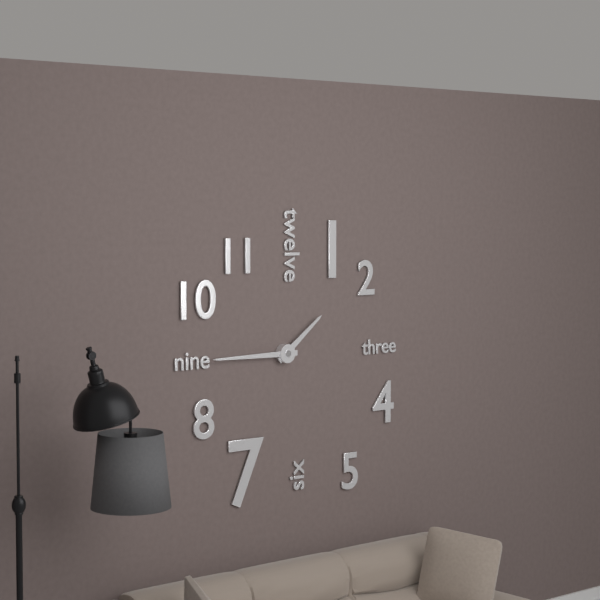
1:45
